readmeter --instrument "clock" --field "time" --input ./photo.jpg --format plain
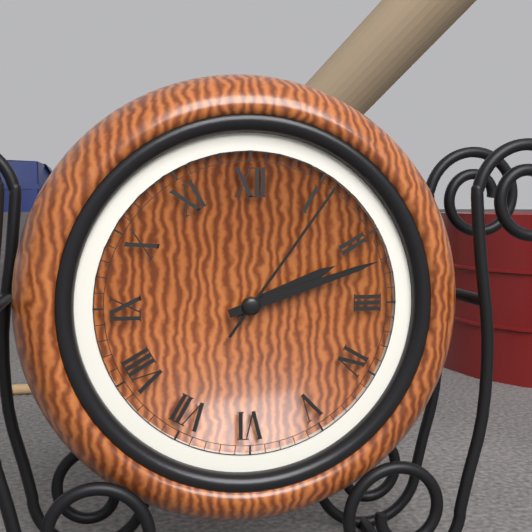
2:12:06
